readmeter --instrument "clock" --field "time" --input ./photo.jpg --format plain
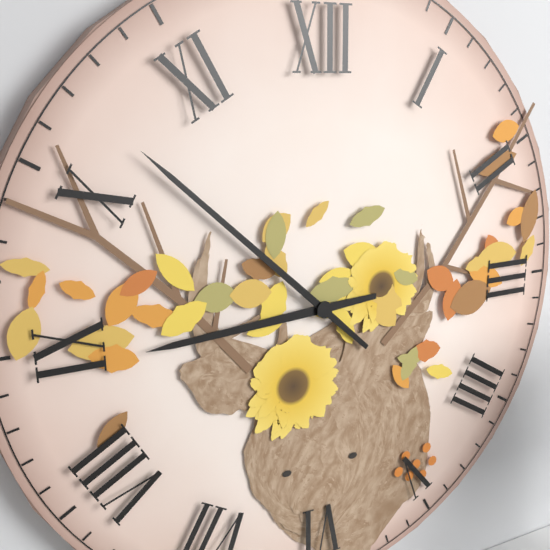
8:52
